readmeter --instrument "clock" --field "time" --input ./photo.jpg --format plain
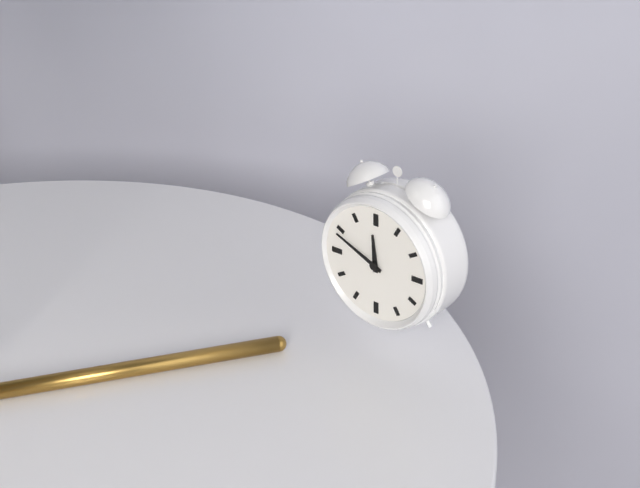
11:49
